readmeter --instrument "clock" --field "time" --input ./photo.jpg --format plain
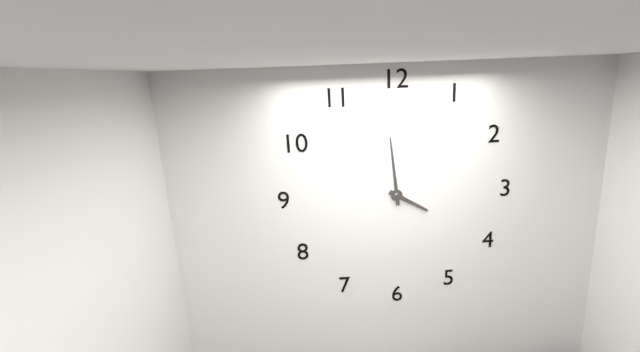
3:59
